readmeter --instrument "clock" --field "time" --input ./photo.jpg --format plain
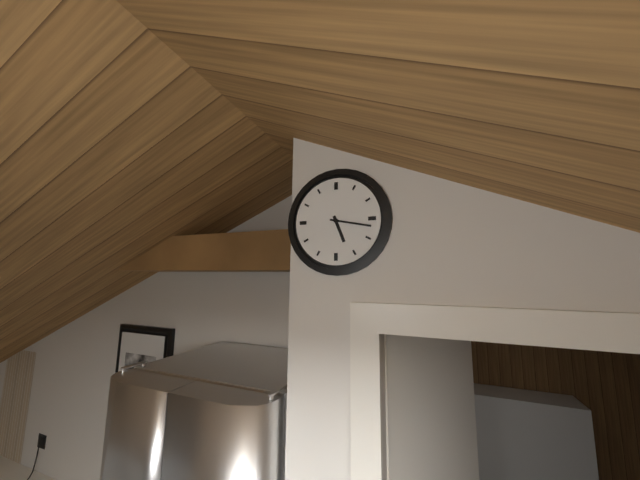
5:17
